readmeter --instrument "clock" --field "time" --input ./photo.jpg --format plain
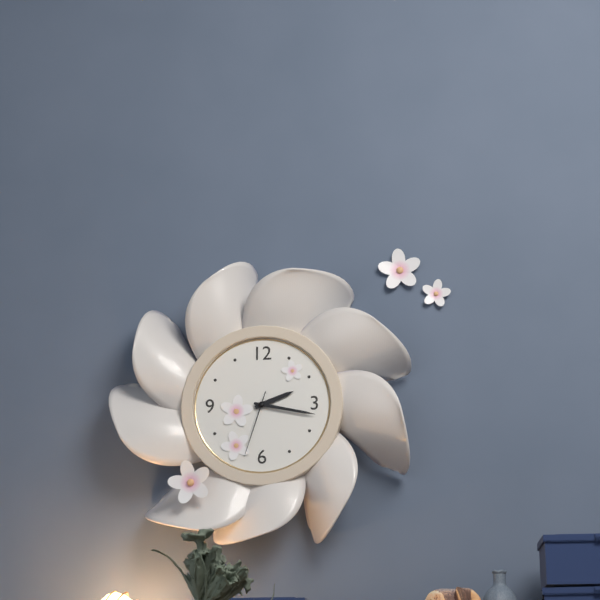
2:17:33
